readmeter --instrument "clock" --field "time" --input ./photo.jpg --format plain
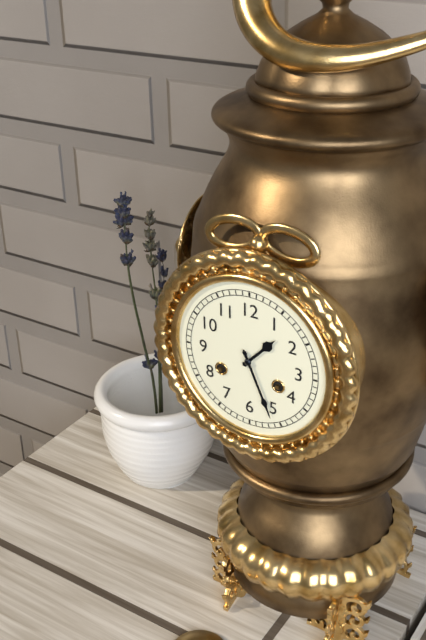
1:26
